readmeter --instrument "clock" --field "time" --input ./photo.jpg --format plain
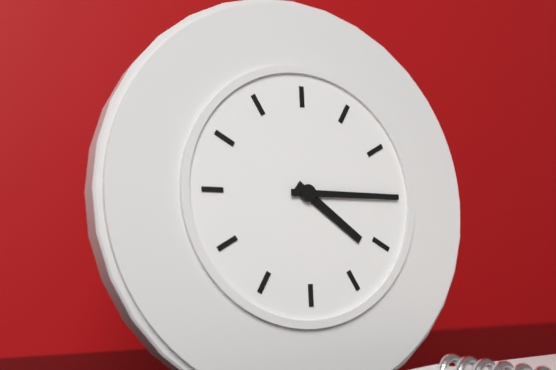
4:15
